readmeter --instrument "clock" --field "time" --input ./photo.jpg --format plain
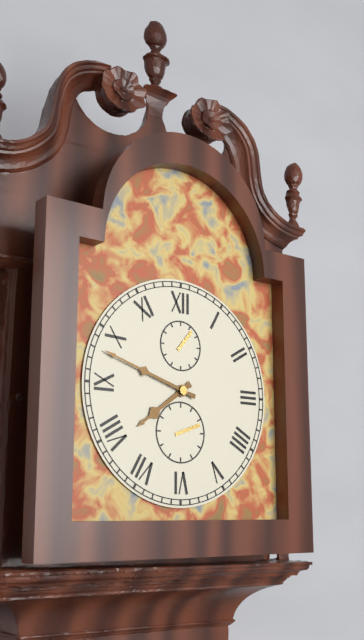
7:48
